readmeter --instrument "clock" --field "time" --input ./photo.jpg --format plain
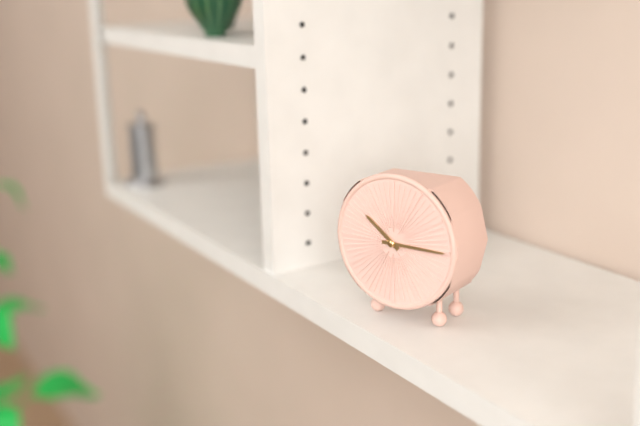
10:15
